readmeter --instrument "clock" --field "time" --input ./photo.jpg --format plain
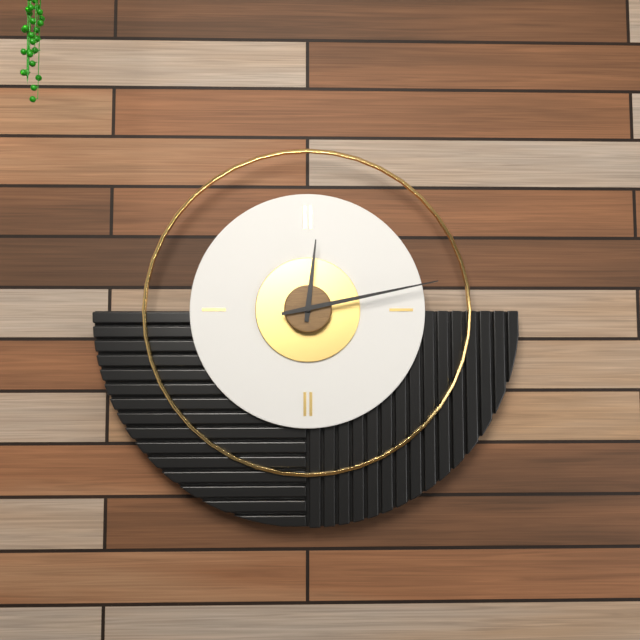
12:13
